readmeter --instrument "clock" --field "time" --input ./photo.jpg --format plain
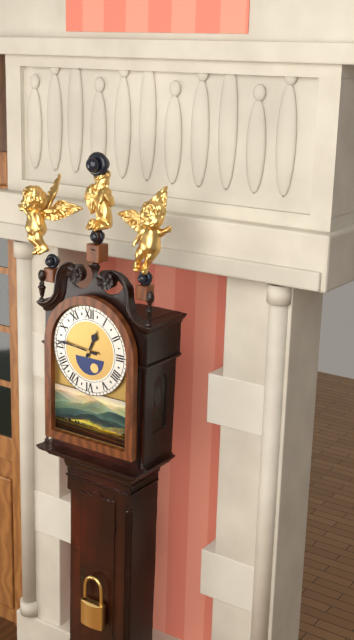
12:46
